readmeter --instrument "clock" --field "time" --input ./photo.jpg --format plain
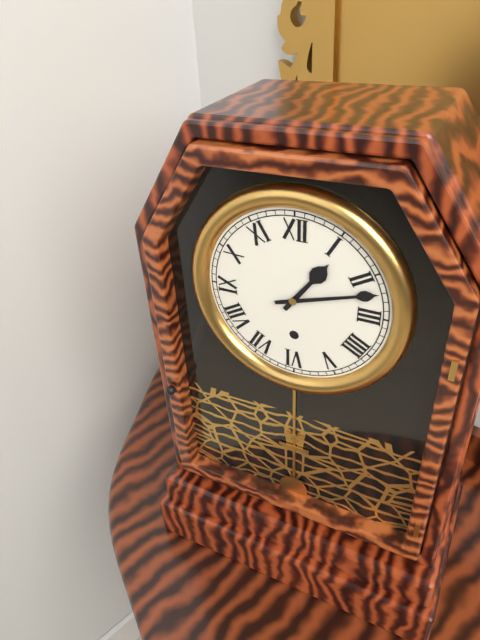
1:12
